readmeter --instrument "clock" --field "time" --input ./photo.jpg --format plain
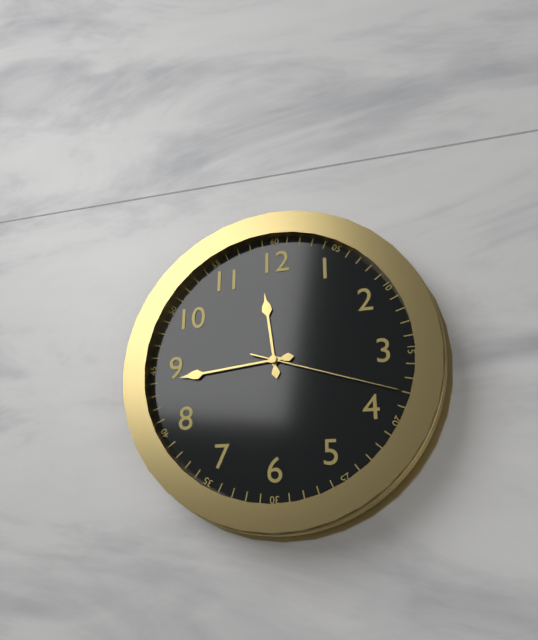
11:44:18
